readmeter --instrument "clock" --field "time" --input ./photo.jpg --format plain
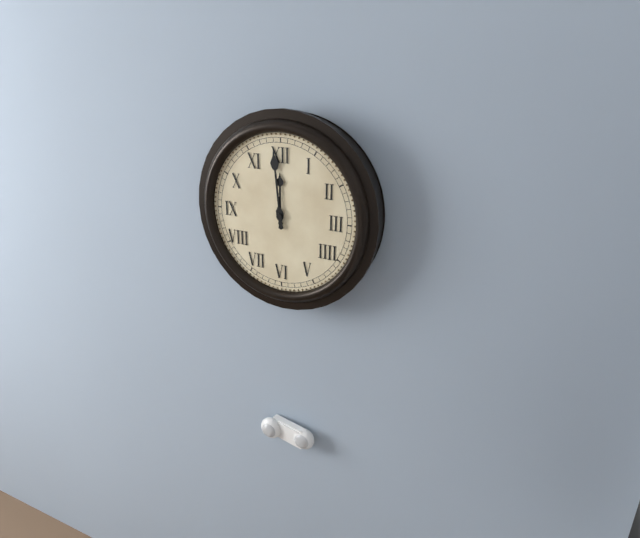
11:59
